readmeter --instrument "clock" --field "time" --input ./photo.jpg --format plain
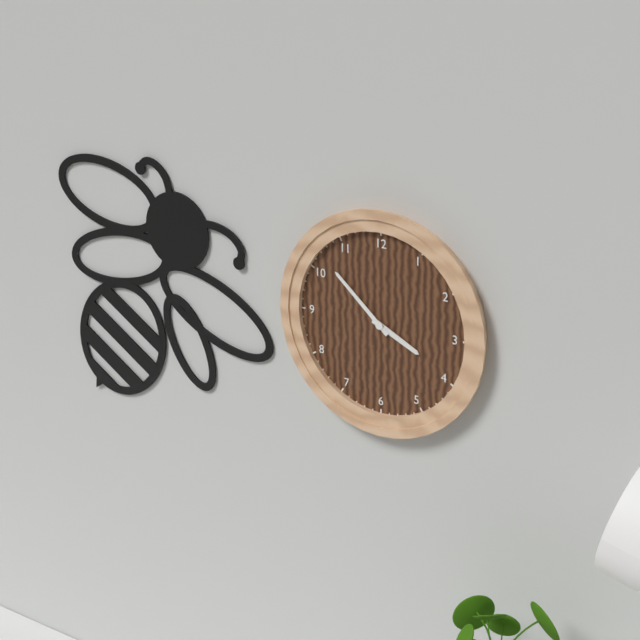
3:52
